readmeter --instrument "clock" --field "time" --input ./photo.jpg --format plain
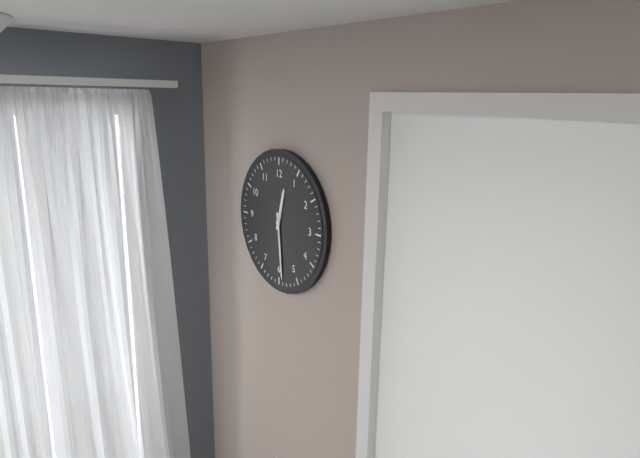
12:29
